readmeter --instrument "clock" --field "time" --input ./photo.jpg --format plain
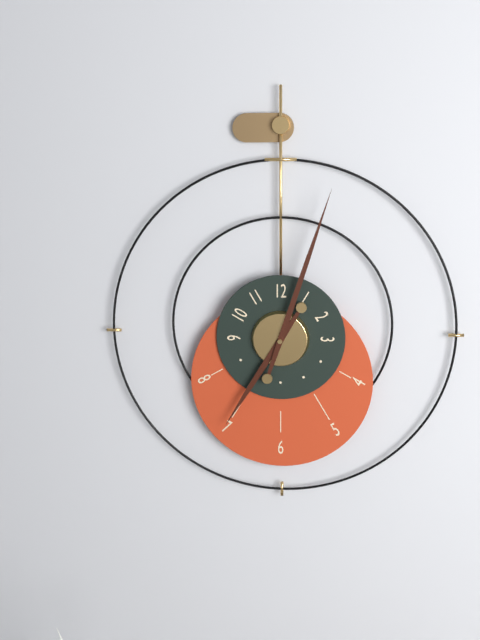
7:03
